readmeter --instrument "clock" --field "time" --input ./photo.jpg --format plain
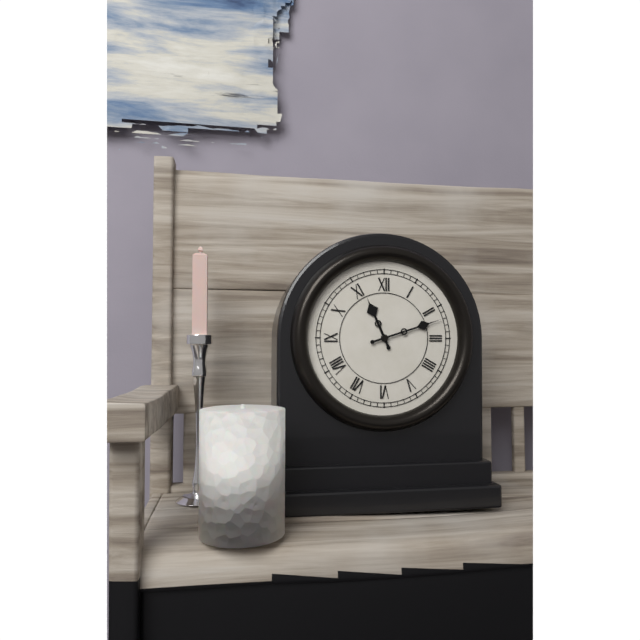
11:12
